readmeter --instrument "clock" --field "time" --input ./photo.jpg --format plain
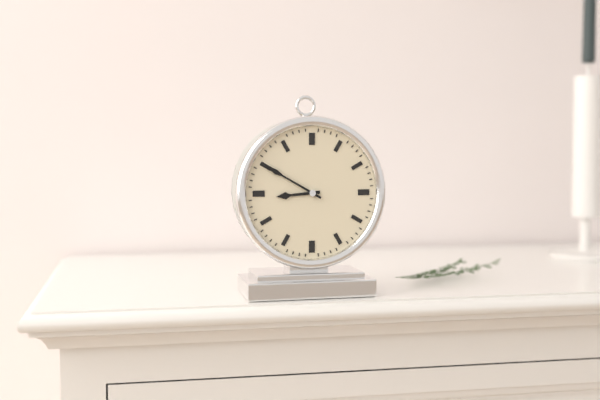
8:50
